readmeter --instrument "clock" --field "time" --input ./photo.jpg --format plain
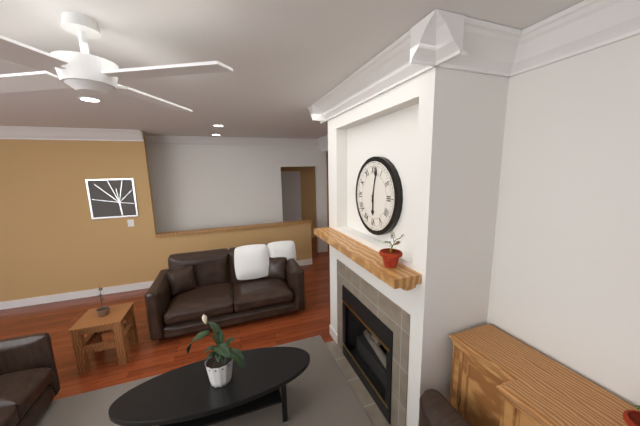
6:02
